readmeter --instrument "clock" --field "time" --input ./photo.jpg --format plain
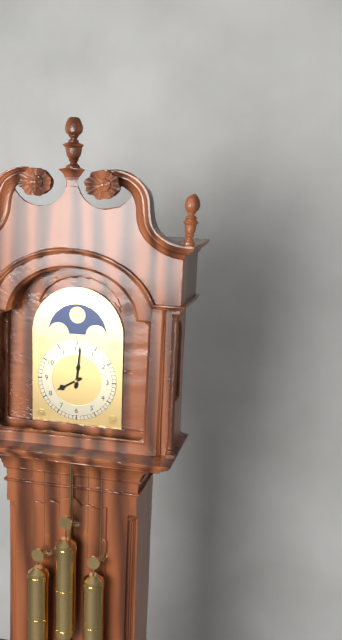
8:01
